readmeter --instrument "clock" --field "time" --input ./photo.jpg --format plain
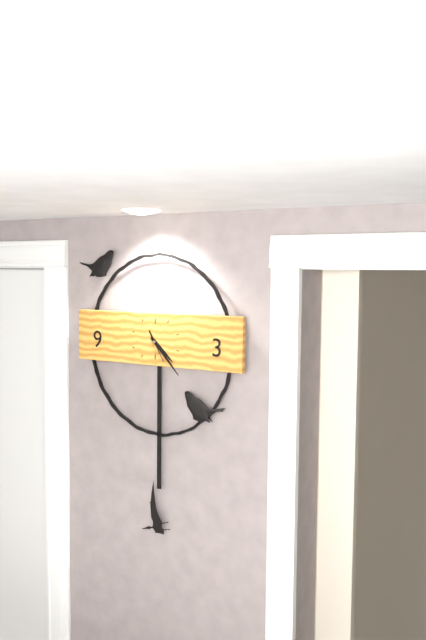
4:23
